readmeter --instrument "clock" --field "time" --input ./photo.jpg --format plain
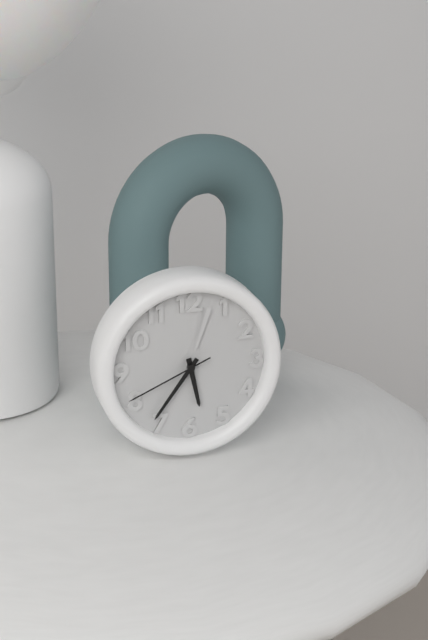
5:36:41
